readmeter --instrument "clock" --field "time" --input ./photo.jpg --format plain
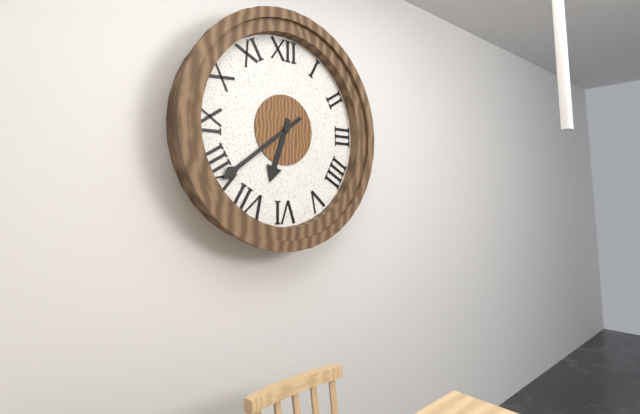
6:39
